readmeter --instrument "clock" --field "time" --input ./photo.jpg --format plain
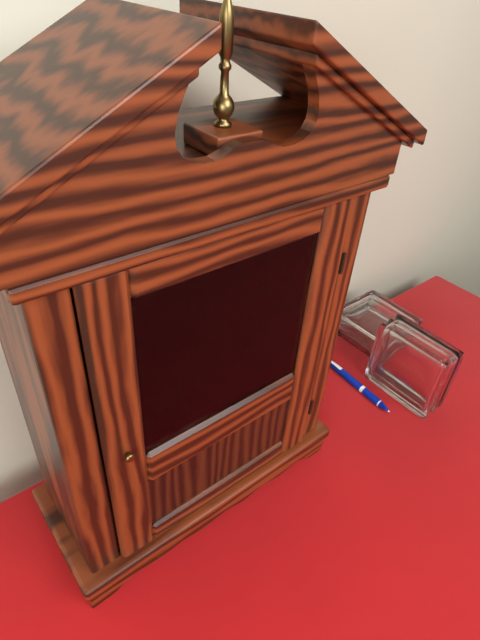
8:00
